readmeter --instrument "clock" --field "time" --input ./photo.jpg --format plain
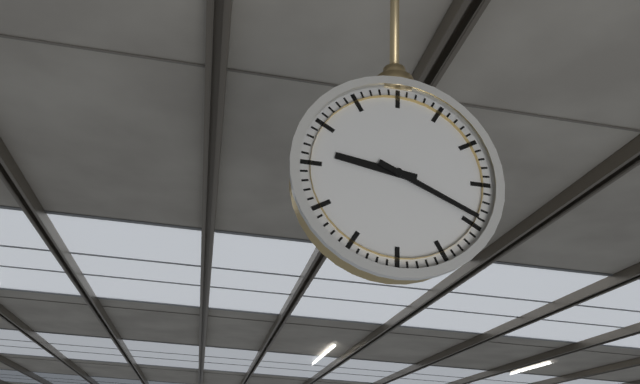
9:19
